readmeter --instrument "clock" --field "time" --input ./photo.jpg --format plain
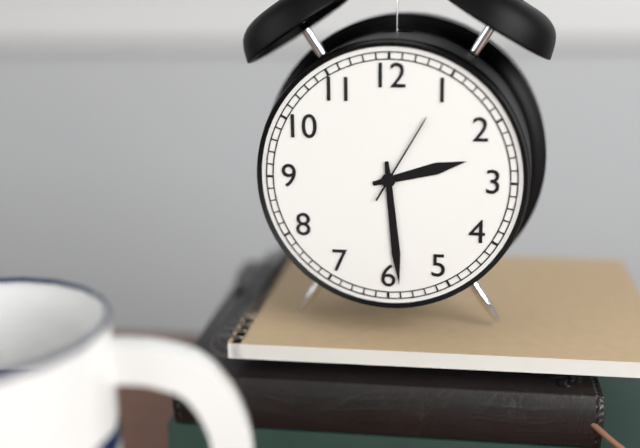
2:29:05
